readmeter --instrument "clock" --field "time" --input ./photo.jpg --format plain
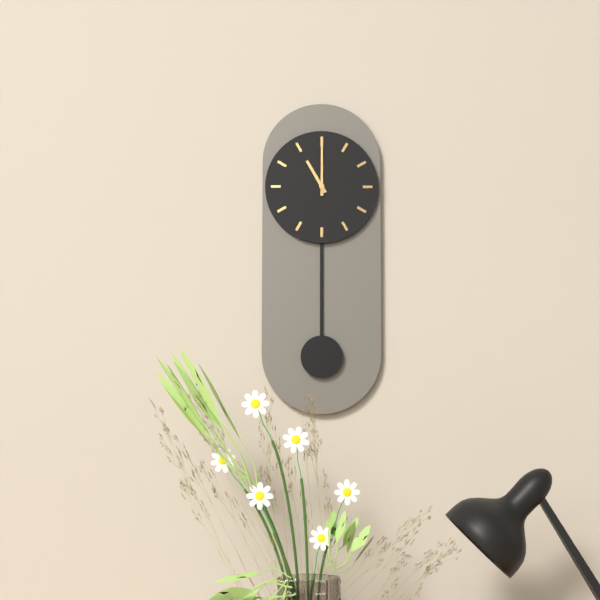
11:00
